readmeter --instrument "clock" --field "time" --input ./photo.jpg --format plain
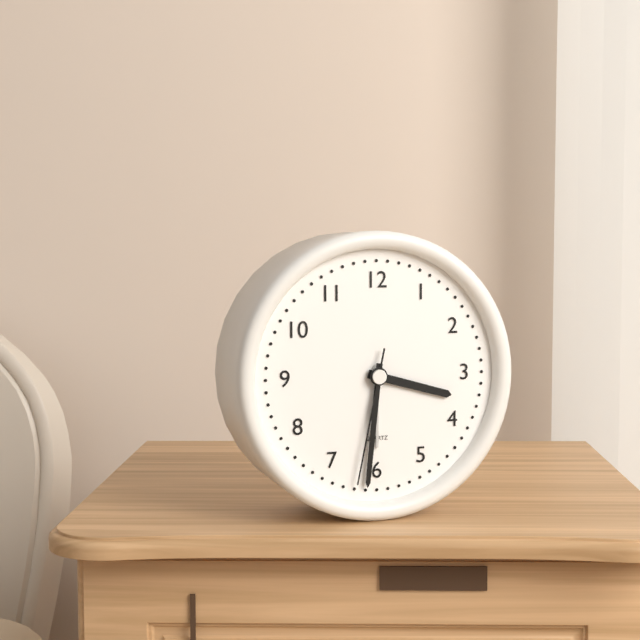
3:31:32
